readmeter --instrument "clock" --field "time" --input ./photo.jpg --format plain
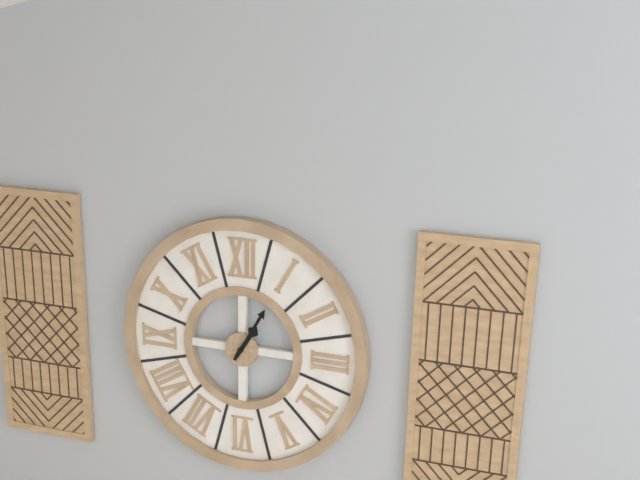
1:05
